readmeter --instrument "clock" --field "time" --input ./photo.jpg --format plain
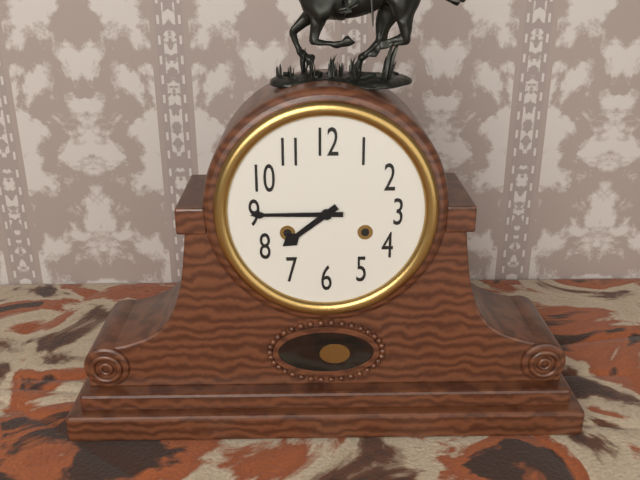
7:45
